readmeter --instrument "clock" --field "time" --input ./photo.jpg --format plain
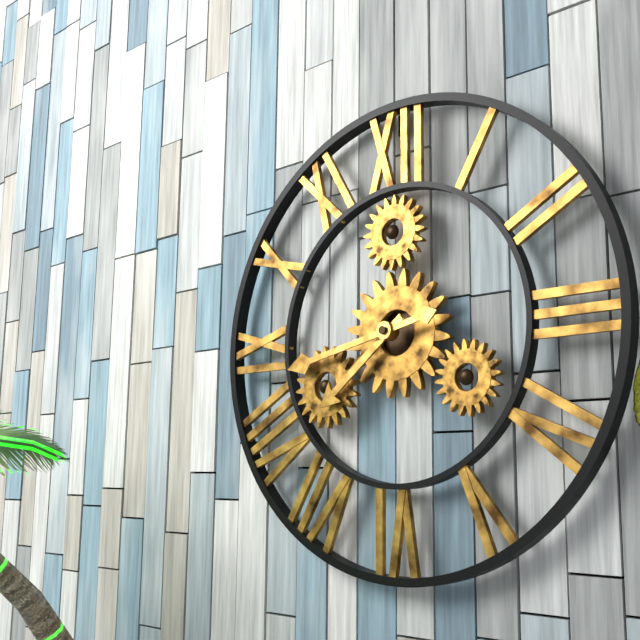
7:43
